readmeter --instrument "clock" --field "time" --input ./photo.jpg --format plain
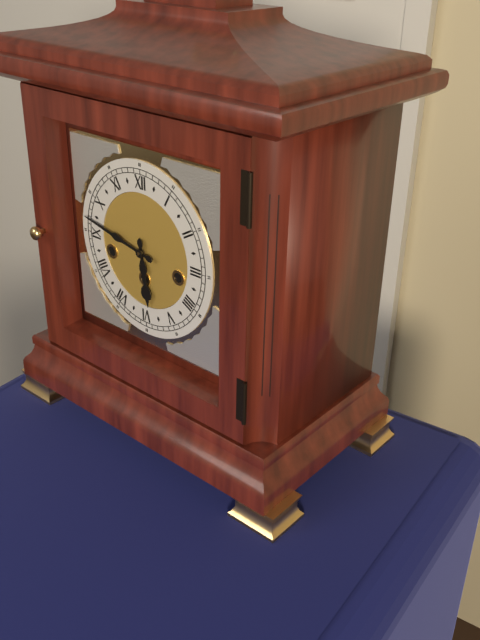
5:47
